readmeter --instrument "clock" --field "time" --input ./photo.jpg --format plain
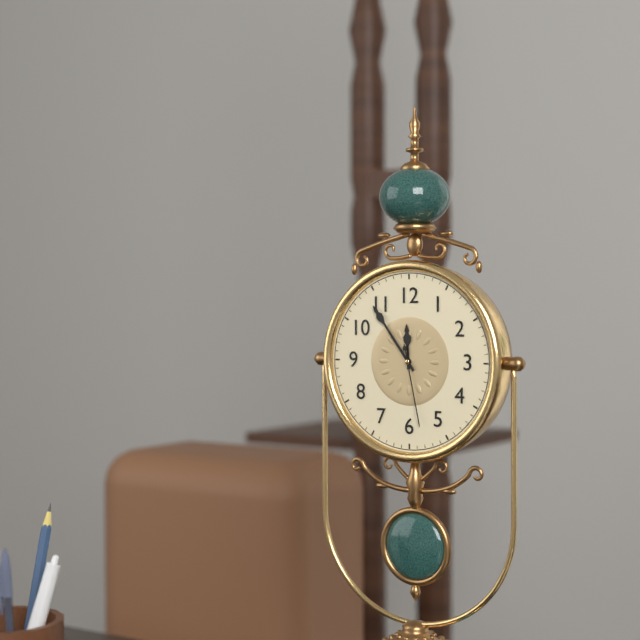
11:54:28
